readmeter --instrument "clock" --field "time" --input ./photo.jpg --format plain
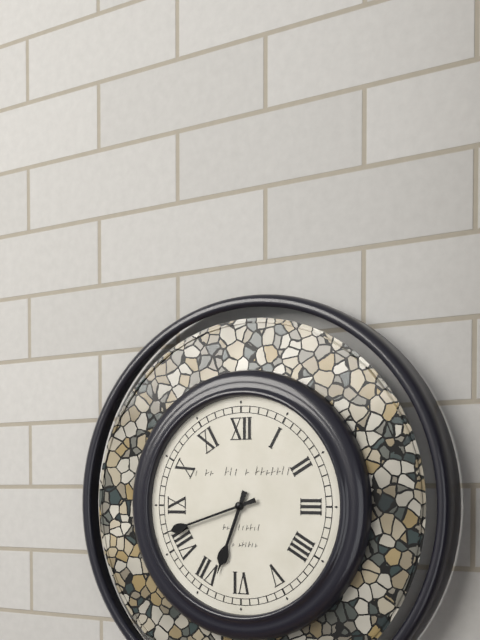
6:42
